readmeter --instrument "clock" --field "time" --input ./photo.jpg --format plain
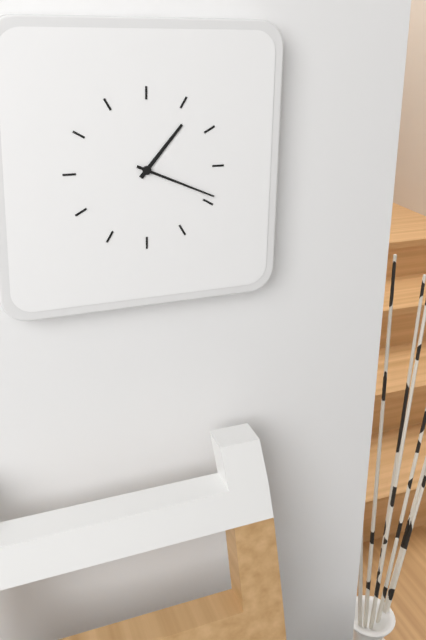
1:19
